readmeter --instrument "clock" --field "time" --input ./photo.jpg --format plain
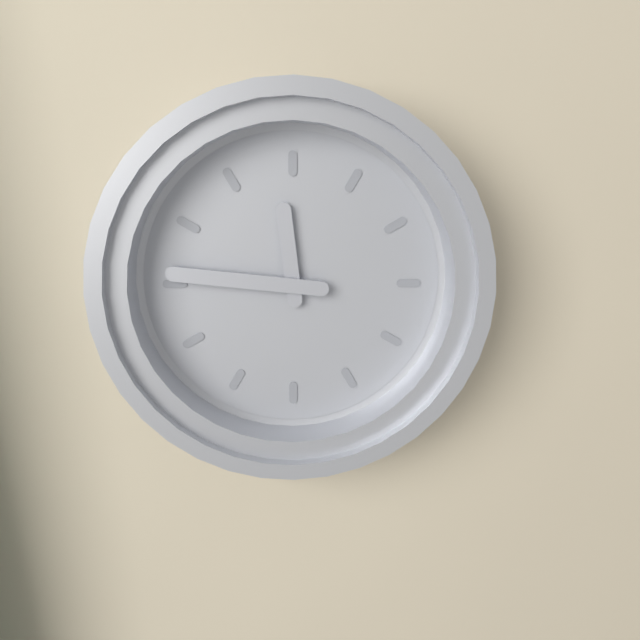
11:46
